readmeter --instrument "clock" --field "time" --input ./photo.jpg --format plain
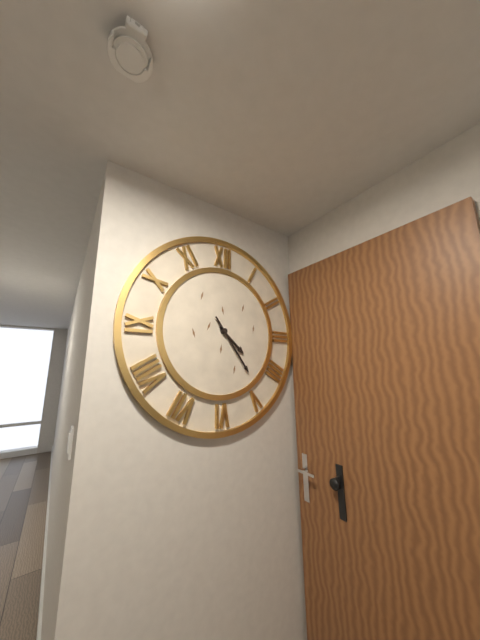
4:24
